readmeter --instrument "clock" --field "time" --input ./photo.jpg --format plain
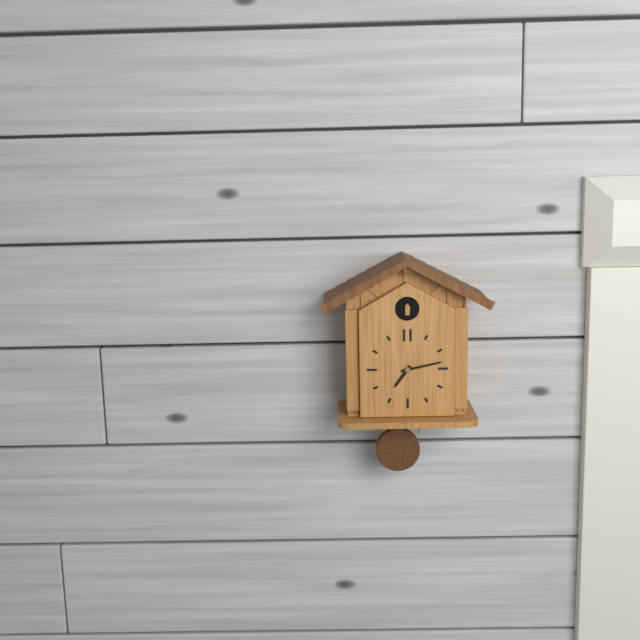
7:13
